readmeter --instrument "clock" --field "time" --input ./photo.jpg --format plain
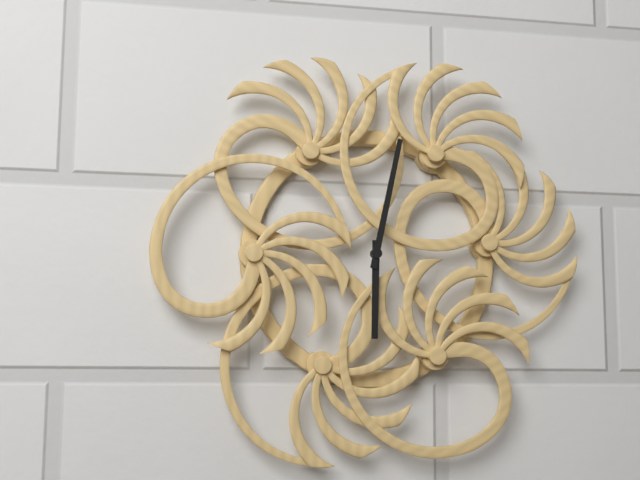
6:02
